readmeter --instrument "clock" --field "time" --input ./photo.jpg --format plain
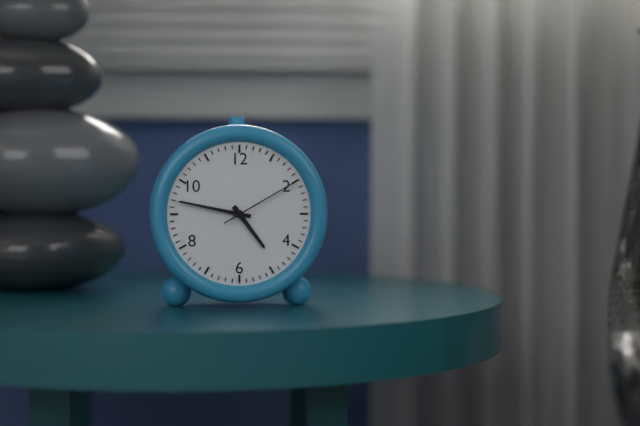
4:47:10
